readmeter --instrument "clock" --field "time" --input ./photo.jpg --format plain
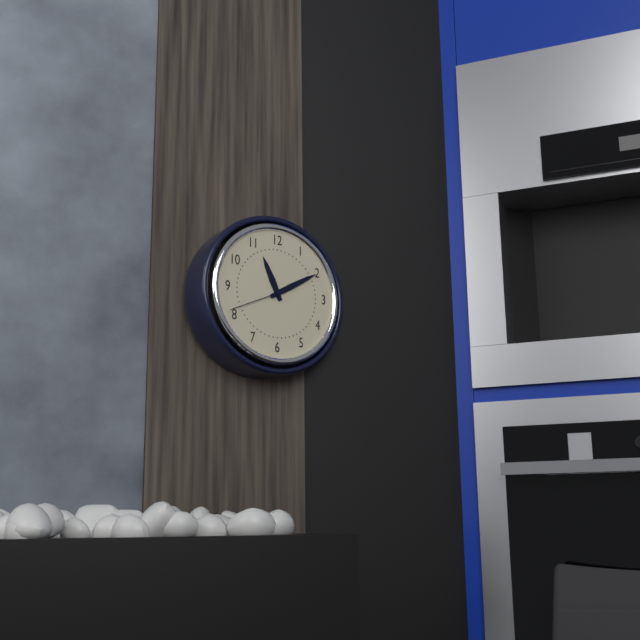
11:10:41
